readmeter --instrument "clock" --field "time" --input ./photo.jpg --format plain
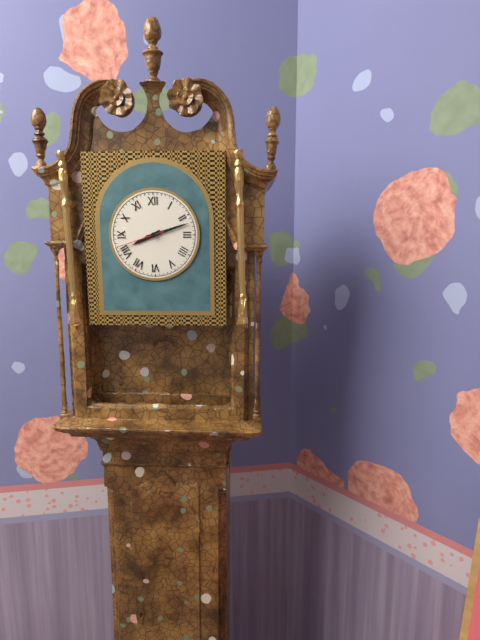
8:12:42
